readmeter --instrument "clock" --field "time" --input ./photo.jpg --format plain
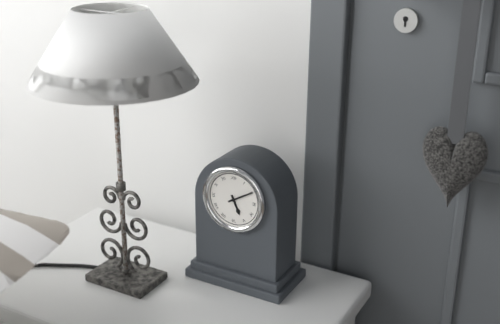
5:10
